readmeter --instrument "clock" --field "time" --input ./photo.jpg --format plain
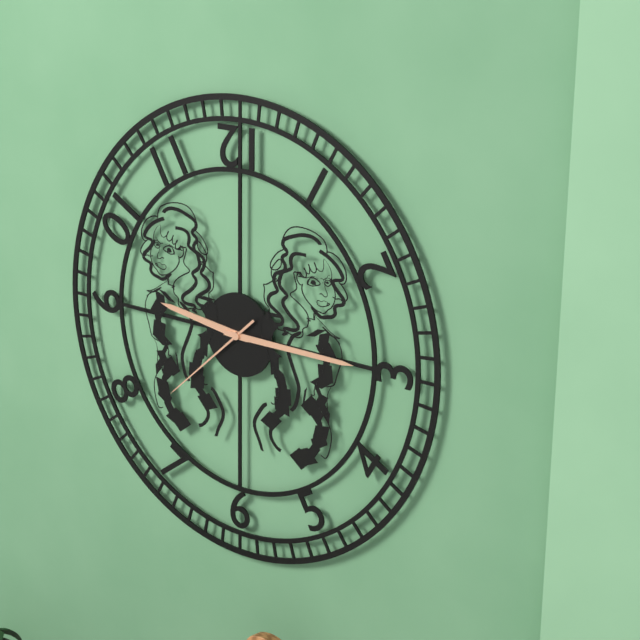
9:15:38
